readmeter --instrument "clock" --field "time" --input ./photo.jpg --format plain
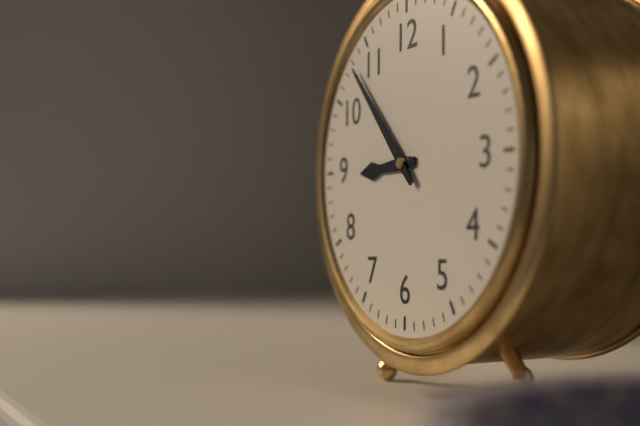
8:53
